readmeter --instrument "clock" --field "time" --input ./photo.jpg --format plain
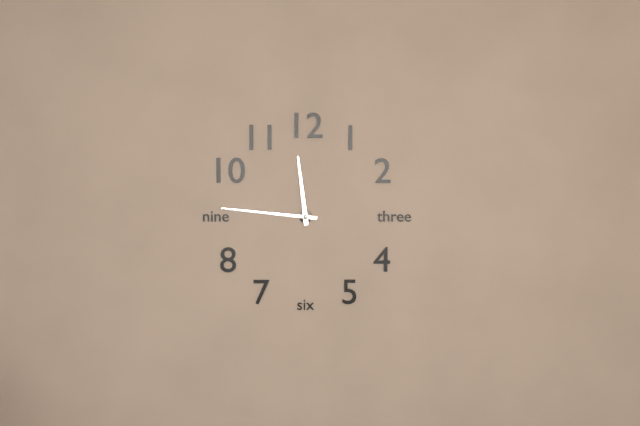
11:46
